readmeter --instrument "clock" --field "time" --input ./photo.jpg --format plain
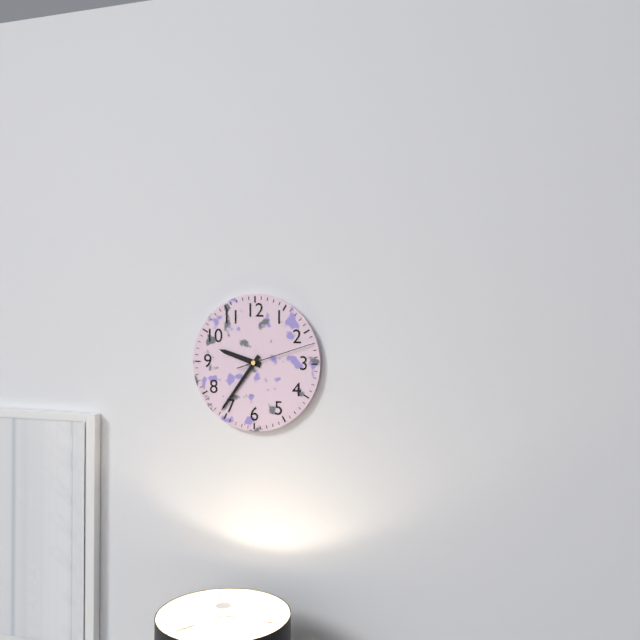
9:36:12
